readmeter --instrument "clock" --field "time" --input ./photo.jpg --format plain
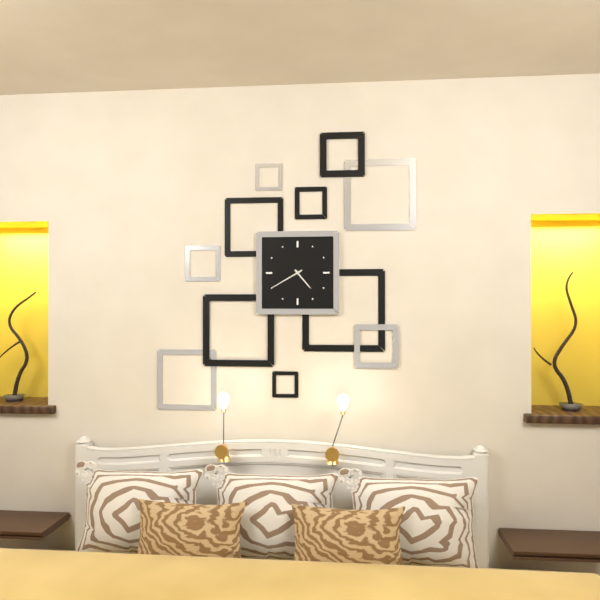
4:40
